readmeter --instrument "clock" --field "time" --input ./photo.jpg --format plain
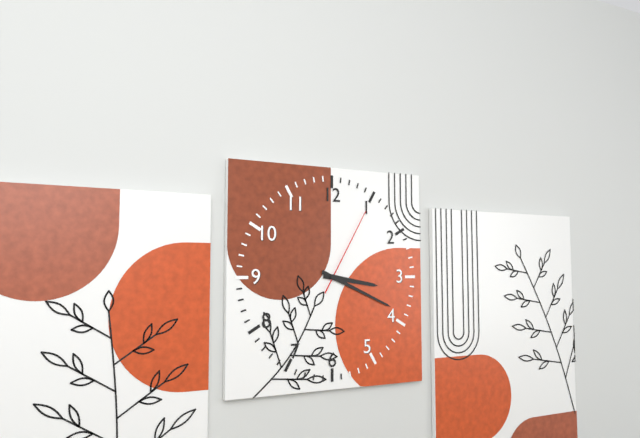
3:19:05
